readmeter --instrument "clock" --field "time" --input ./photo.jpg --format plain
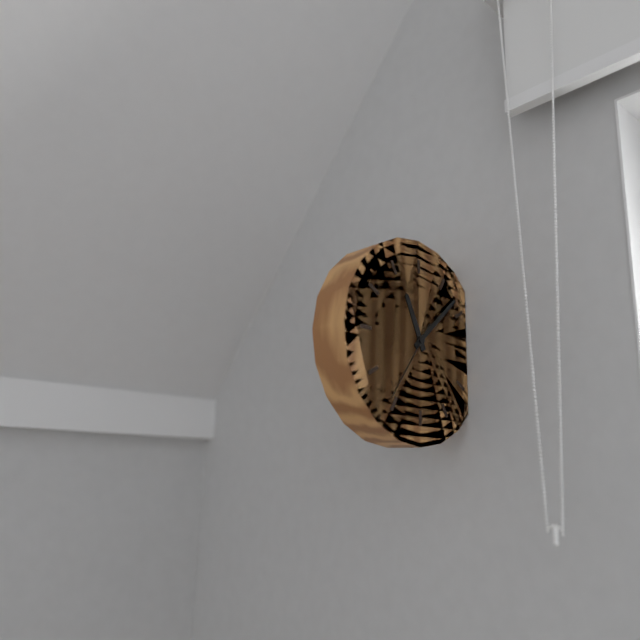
11:08:36
